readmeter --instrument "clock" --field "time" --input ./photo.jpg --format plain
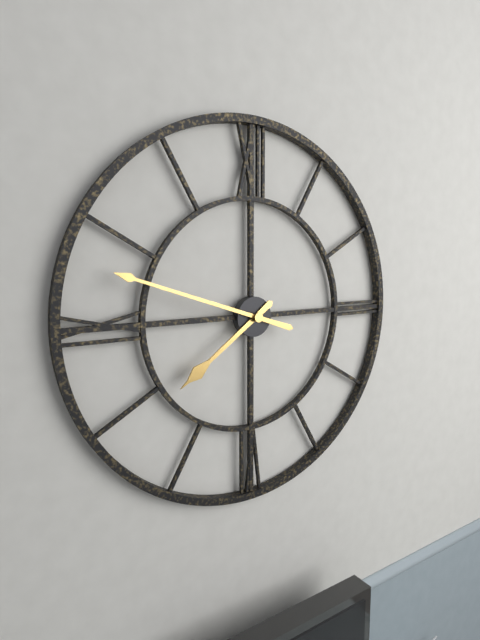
7:48
